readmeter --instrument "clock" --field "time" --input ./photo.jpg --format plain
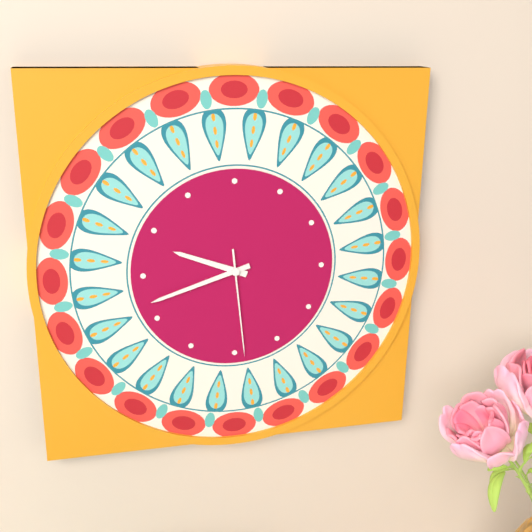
9:42:29
